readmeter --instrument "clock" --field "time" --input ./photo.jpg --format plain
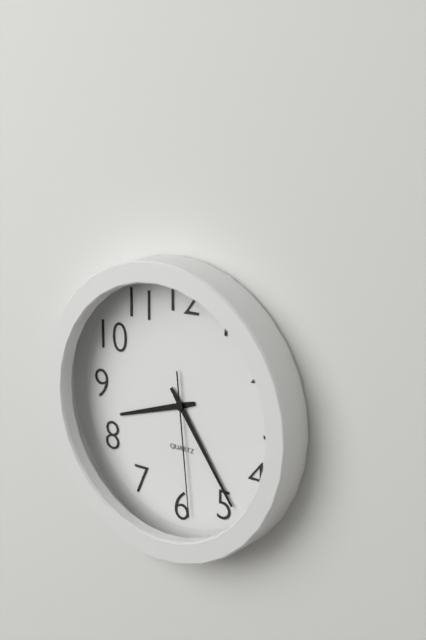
8:24:29
